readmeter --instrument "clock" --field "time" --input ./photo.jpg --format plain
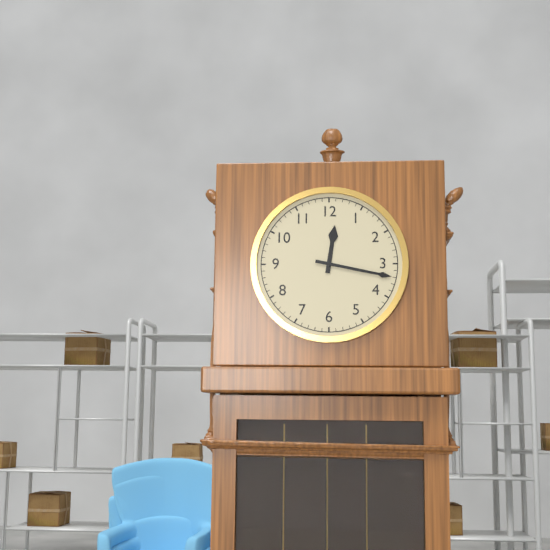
12:17
